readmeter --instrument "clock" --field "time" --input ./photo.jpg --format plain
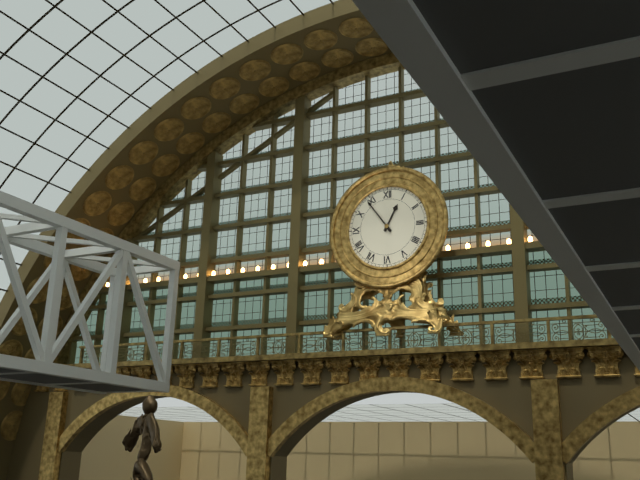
12:54
